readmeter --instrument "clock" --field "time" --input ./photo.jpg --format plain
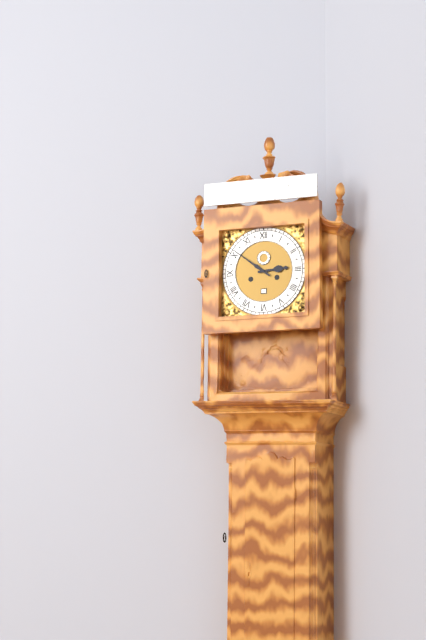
2:51
